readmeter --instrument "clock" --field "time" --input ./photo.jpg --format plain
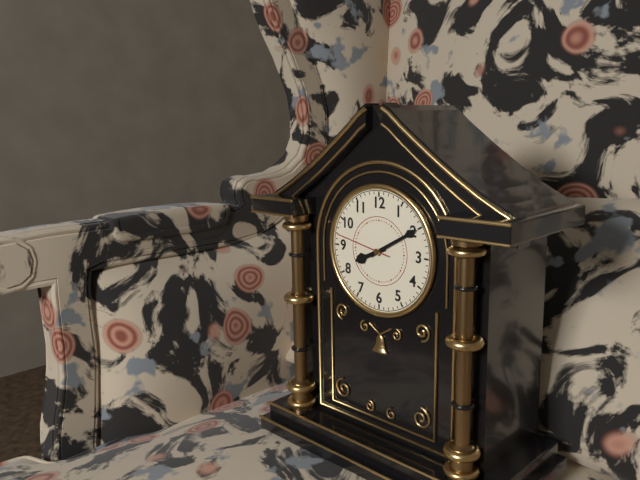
8:10:47
